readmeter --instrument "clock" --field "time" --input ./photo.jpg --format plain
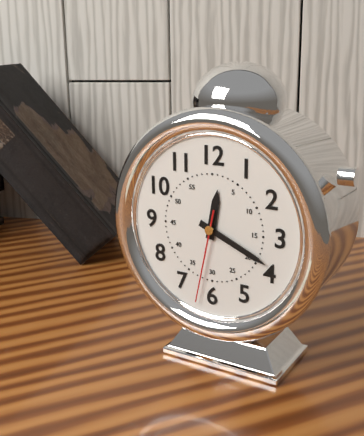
12:19:32
